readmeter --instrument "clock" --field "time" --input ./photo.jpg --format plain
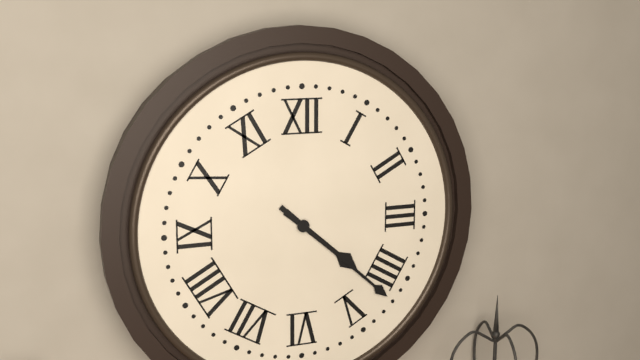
4:22
